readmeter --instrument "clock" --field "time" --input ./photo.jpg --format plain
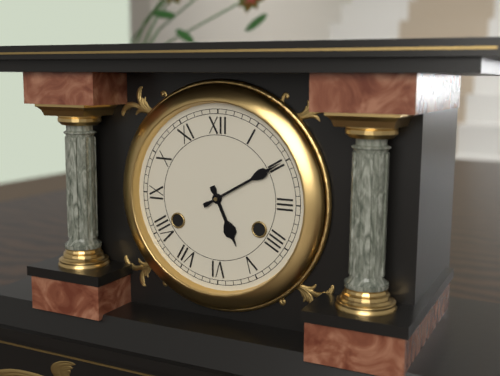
5:10
